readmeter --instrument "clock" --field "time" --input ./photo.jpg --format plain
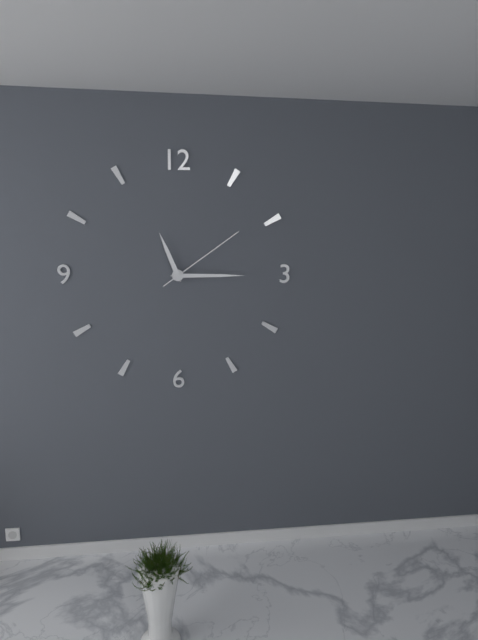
11:15:09
